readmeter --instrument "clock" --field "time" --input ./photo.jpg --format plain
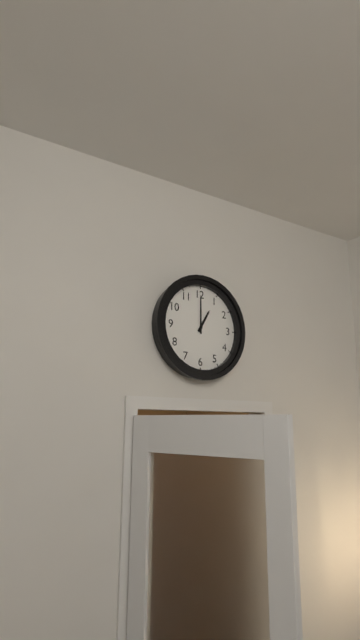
1:00
